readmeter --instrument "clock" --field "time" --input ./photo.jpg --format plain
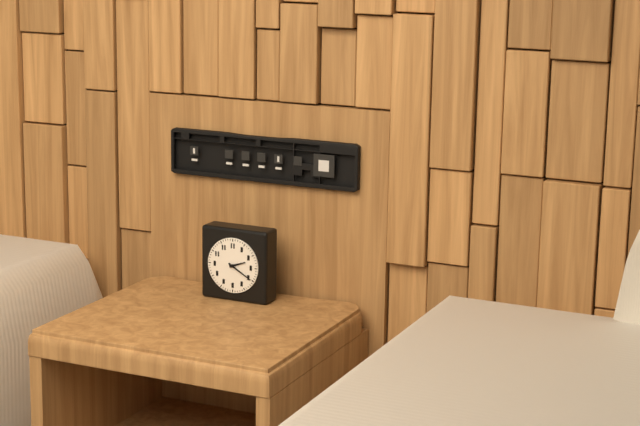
2:20
